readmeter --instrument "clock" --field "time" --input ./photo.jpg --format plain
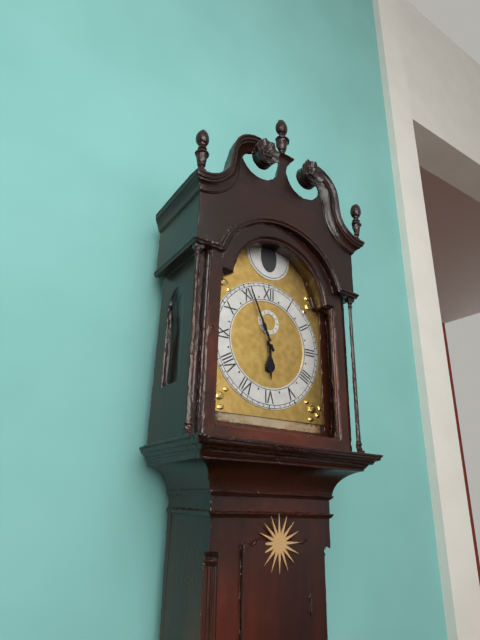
5:56
